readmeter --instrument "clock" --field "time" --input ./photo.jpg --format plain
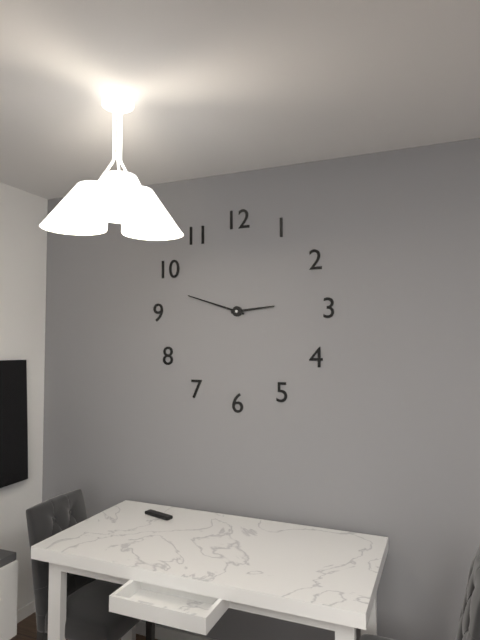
2:48
